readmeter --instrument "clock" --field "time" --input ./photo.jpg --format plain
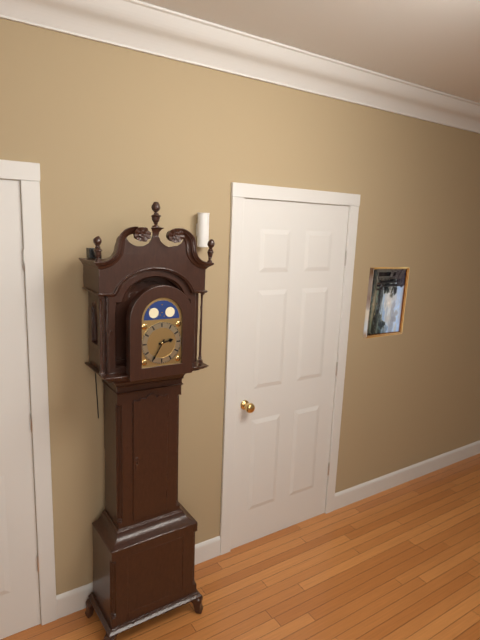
2:35
